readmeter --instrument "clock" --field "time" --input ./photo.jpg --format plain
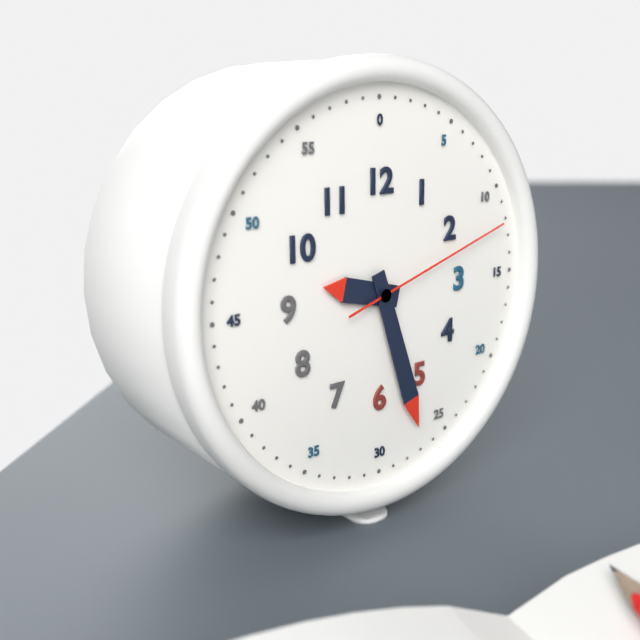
9:27:12
